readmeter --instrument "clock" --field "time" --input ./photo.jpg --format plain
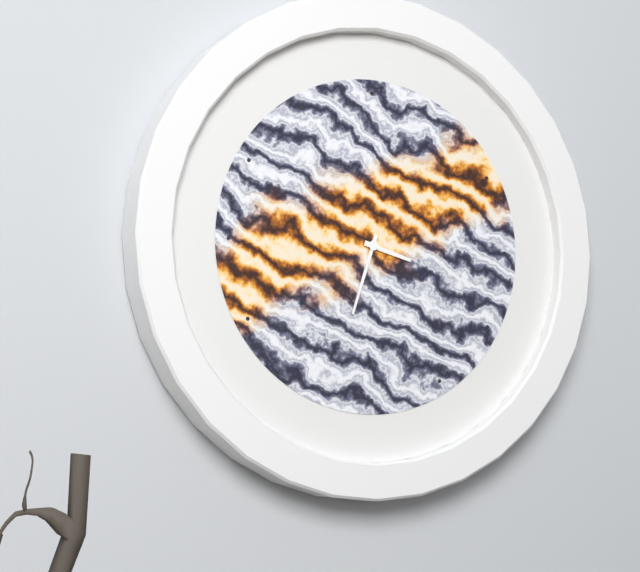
3:33
